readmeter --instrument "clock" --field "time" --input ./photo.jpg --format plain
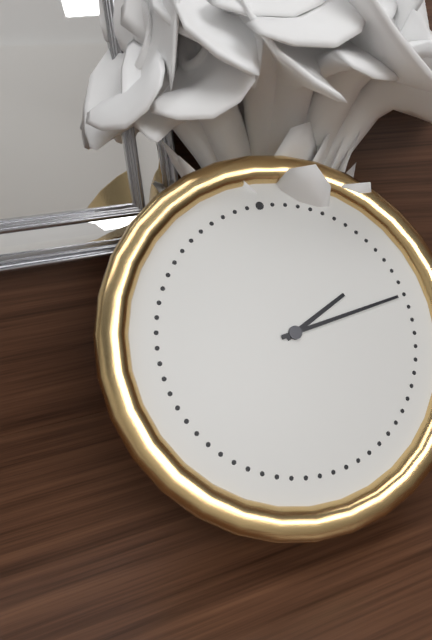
2:14
